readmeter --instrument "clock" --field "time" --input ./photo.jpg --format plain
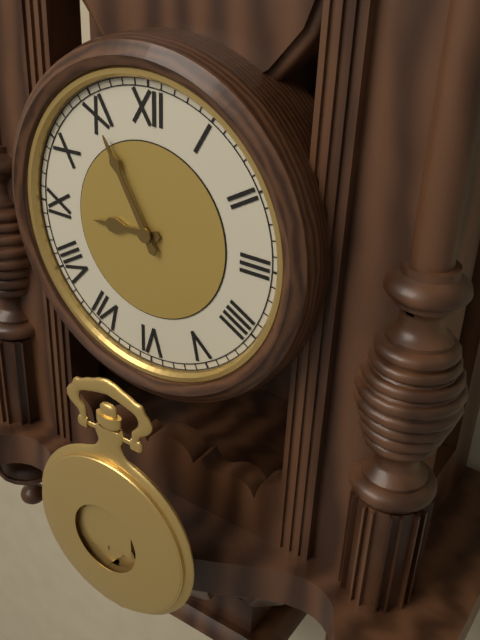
8:55
